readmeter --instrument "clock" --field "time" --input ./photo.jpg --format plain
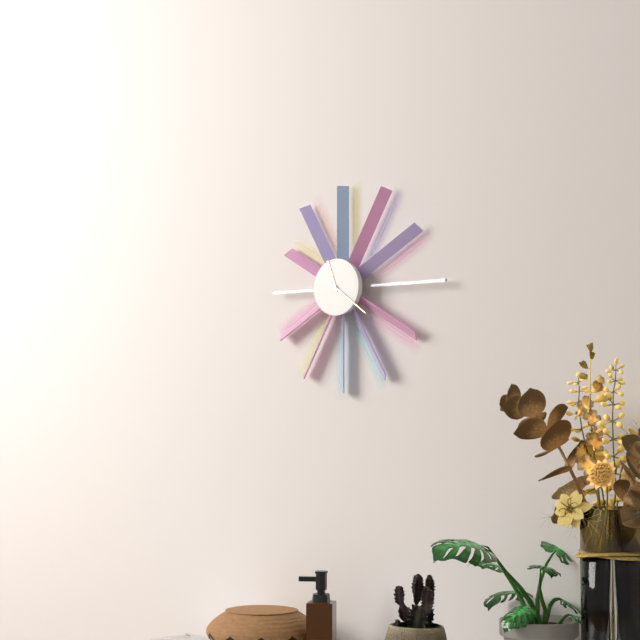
11:21
